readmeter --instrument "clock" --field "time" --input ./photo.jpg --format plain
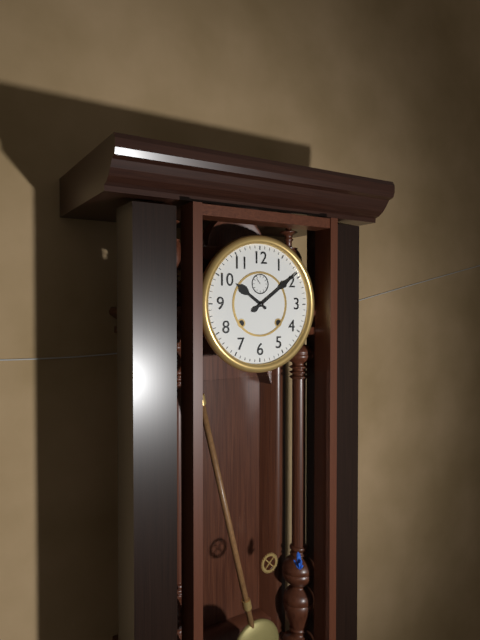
10:09
